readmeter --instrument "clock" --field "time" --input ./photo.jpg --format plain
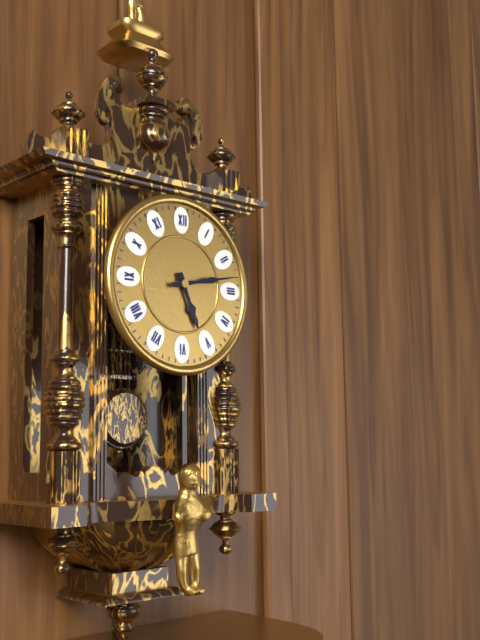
5:13
